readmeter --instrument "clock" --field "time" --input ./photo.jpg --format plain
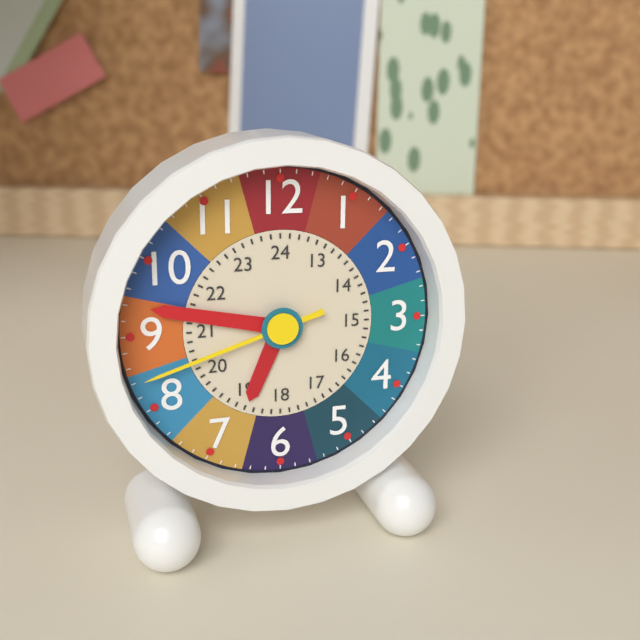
6:47:42
